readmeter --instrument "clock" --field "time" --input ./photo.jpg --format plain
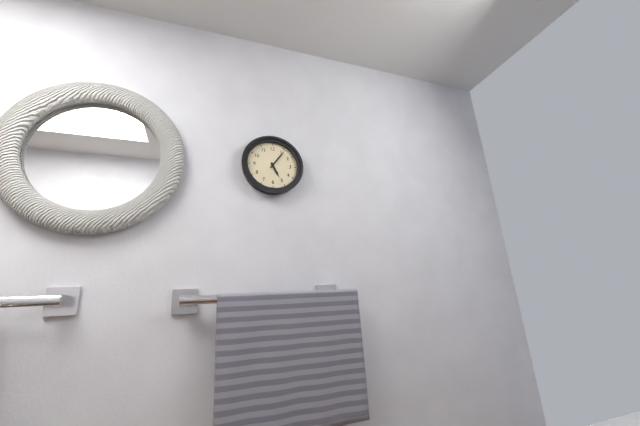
5:06
